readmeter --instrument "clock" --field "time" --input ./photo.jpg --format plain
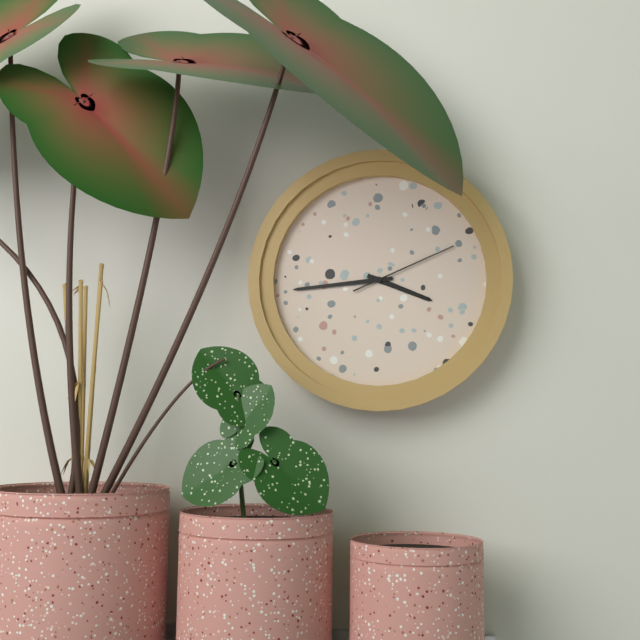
3:44:11
